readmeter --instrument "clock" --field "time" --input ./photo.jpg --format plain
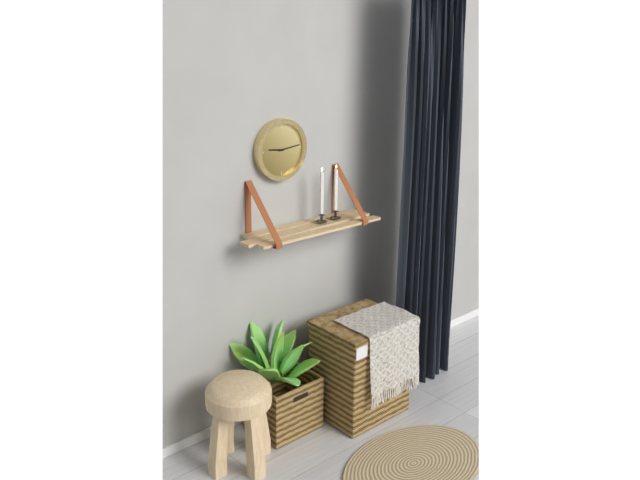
9:14
